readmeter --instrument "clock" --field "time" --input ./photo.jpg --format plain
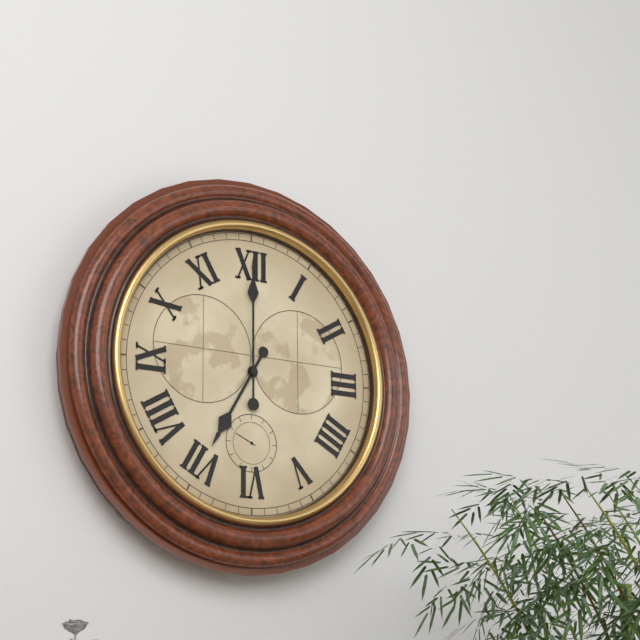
7:00
